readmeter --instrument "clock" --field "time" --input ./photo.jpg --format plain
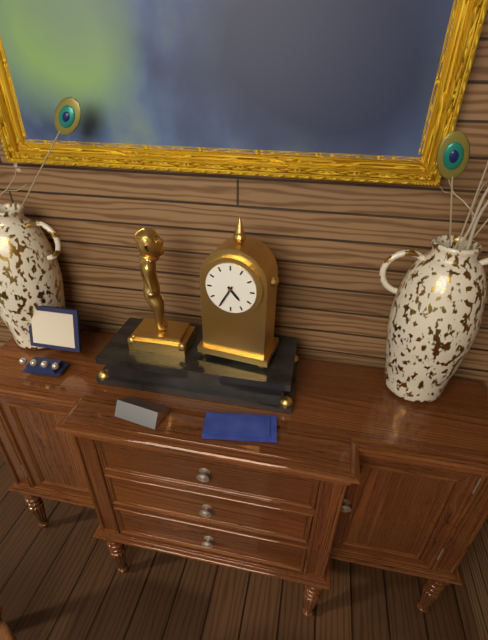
4:35
